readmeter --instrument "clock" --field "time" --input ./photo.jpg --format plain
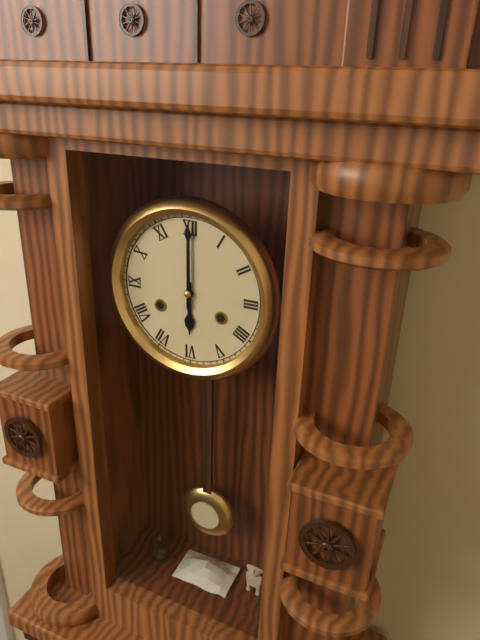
6:00
